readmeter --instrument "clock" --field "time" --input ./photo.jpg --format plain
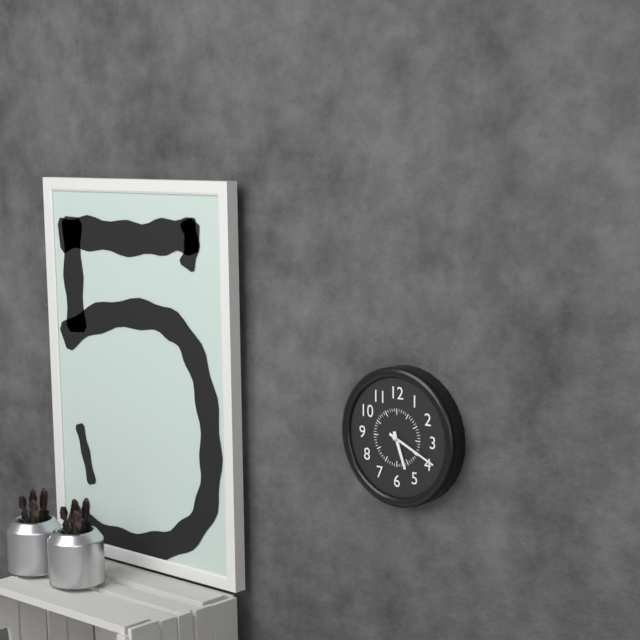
5:19
